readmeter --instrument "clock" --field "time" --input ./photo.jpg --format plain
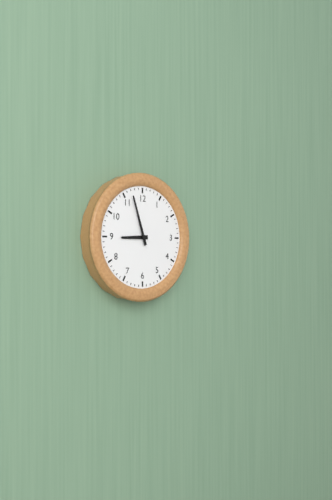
8:57
